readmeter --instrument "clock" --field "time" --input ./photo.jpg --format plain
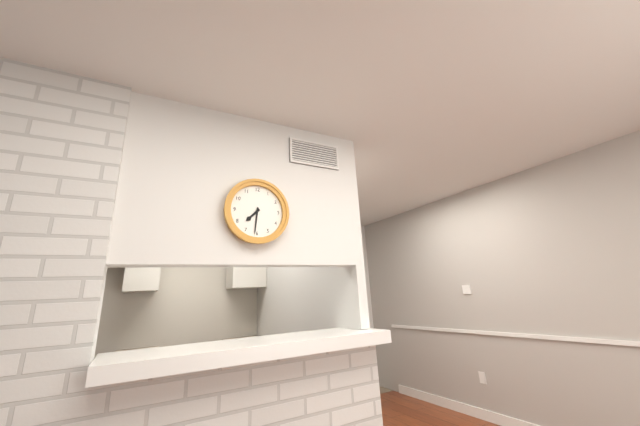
7:31
